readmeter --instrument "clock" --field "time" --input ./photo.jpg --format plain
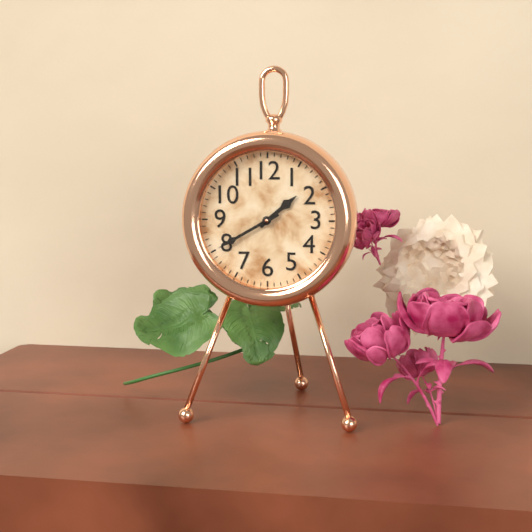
1:40
